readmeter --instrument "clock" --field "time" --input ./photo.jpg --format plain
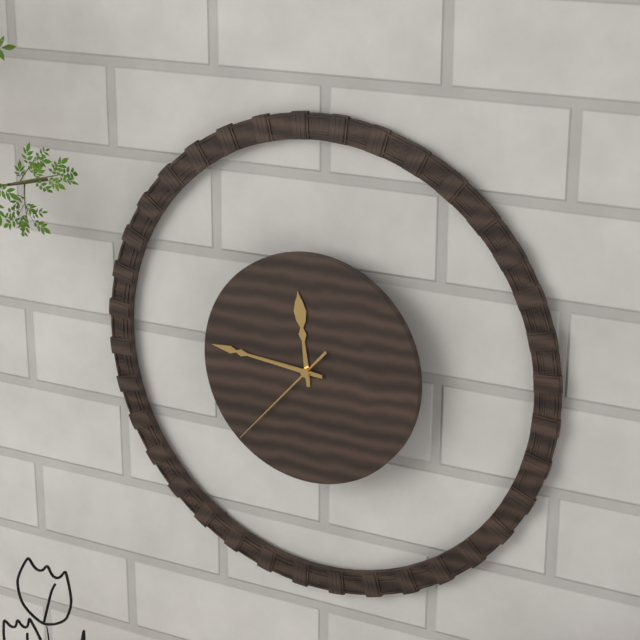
11:46:37
